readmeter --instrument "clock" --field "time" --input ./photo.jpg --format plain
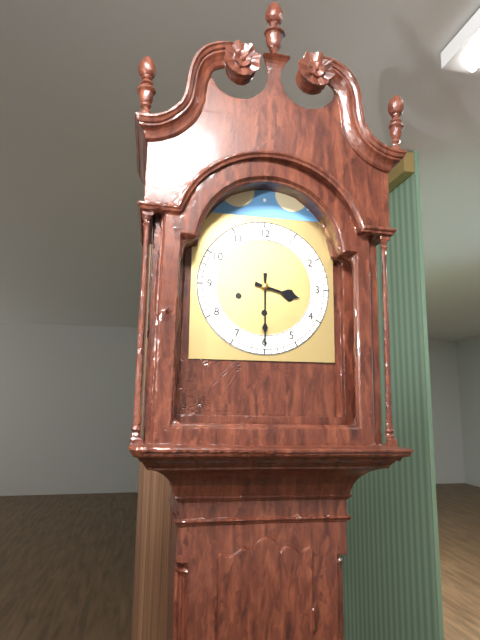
3:30
